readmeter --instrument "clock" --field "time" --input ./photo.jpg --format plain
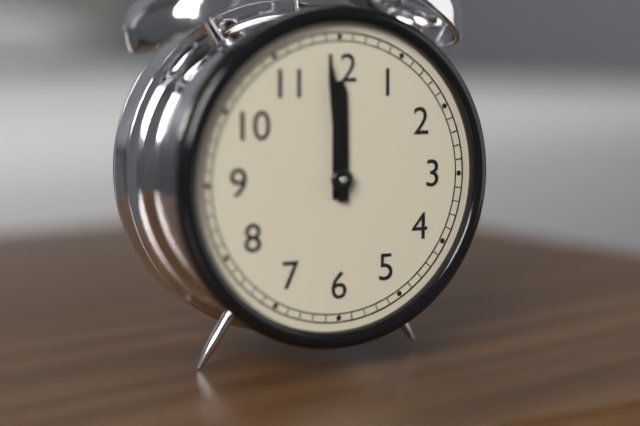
11:59
